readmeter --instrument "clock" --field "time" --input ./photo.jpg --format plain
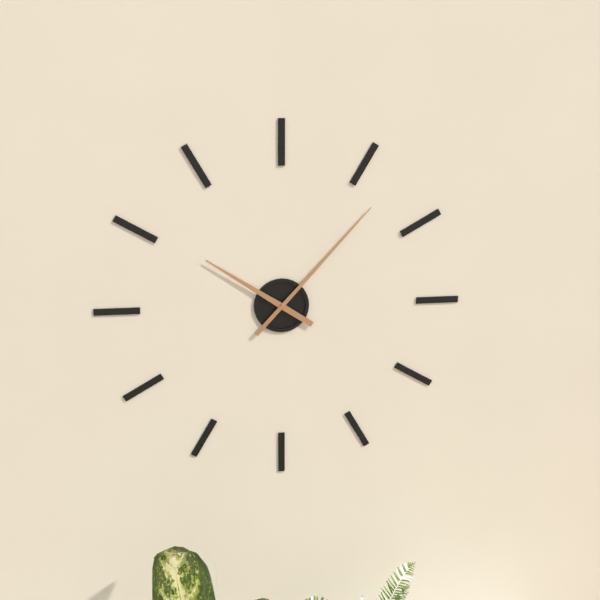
10:07
